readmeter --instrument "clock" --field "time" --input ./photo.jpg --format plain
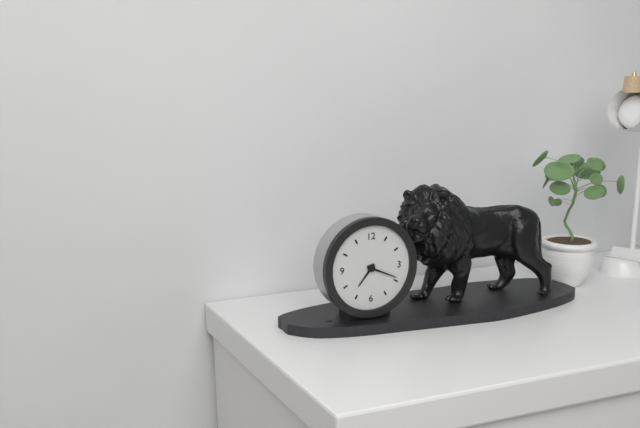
7:19
